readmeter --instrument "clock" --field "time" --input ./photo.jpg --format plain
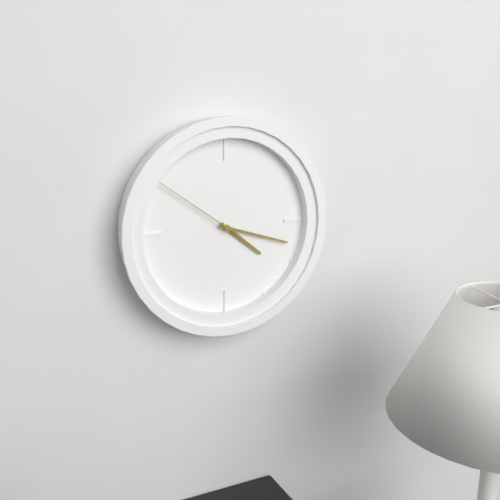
4:18:51
